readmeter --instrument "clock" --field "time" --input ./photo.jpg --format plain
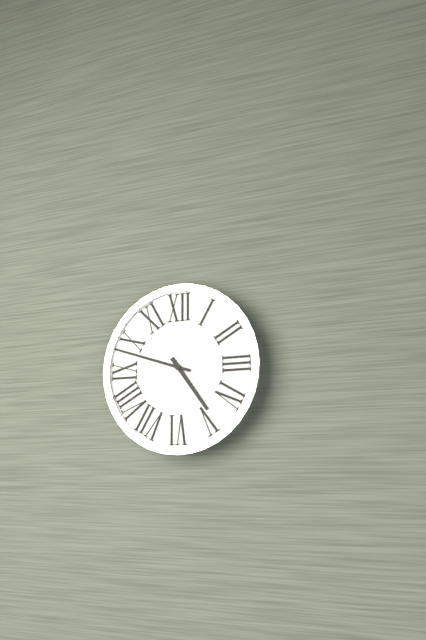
4:48
